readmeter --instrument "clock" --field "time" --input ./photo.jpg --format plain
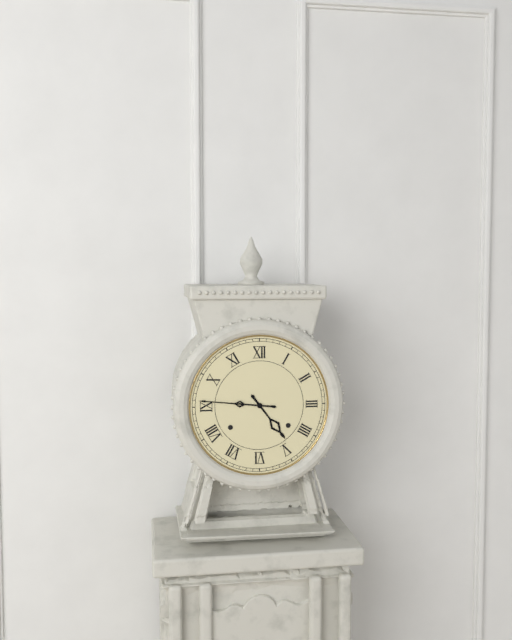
4:46
